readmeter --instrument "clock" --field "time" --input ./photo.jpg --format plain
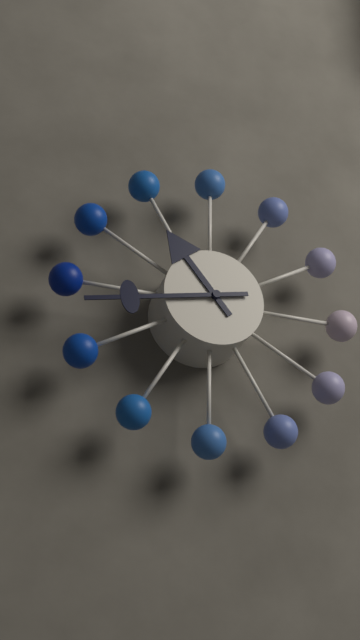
10:43
